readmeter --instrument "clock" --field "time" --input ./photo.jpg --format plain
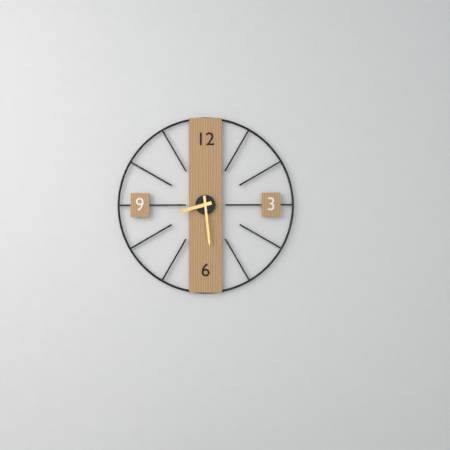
8:29
